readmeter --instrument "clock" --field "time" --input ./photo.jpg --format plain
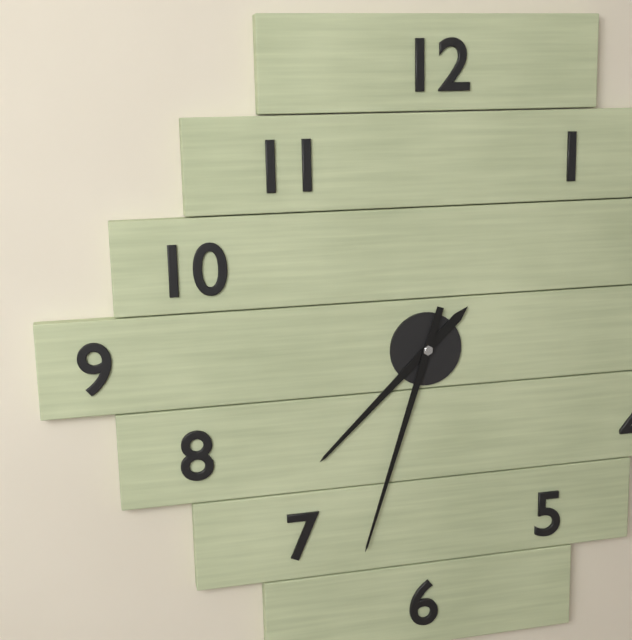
7:33
